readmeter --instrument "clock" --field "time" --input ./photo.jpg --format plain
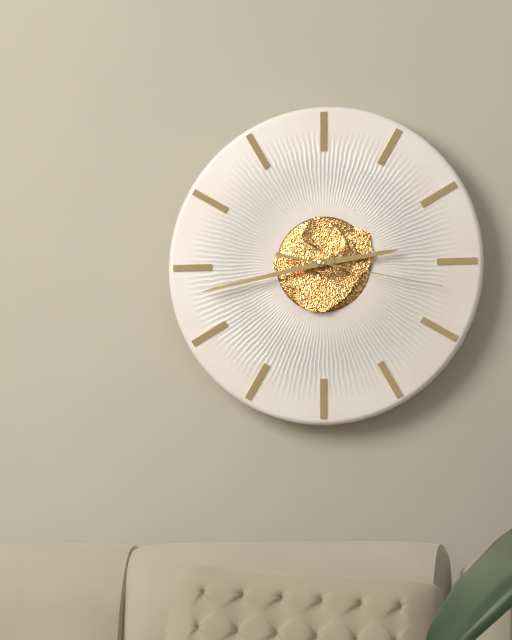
2:43:17
